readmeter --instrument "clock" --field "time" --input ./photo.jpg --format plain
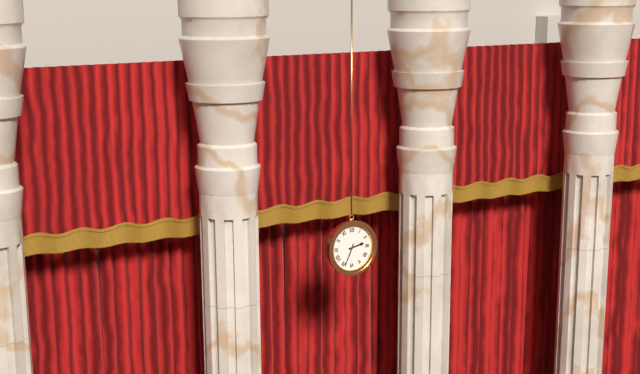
2:34
